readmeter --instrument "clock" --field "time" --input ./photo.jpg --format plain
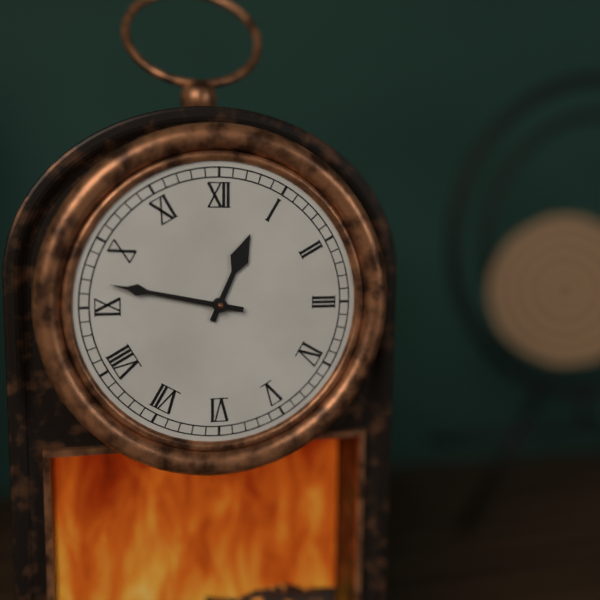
12:47
